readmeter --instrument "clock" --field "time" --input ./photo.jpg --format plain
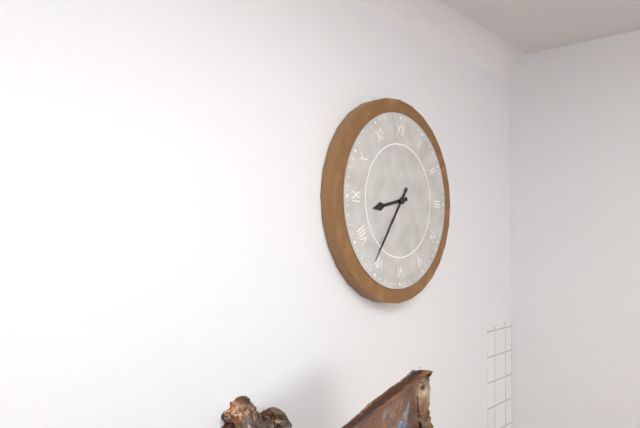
8:36
